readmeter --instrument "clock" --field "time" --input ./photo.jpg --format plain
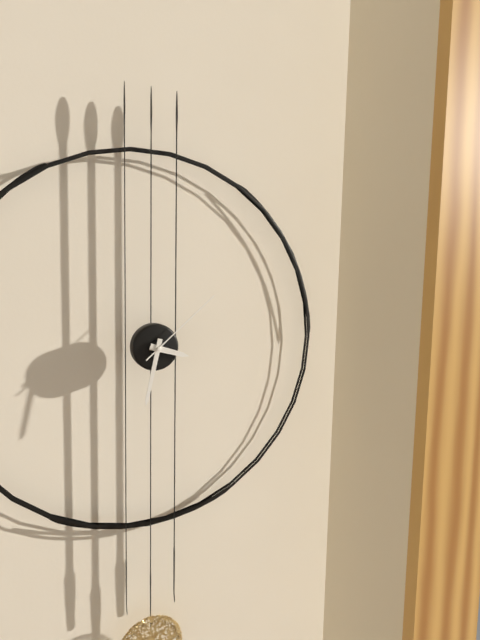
3:32:08
